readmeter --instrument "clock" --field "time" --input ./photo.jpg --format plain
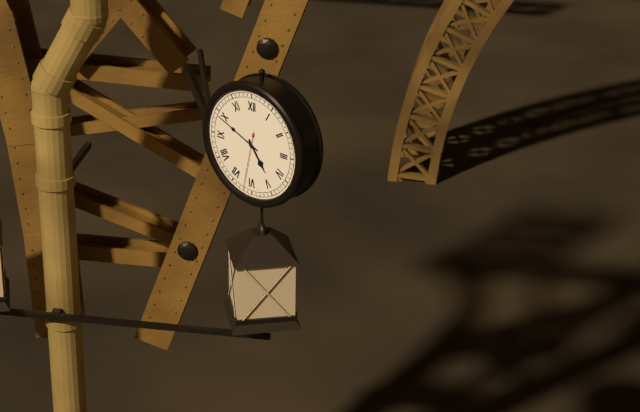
4:49:32
